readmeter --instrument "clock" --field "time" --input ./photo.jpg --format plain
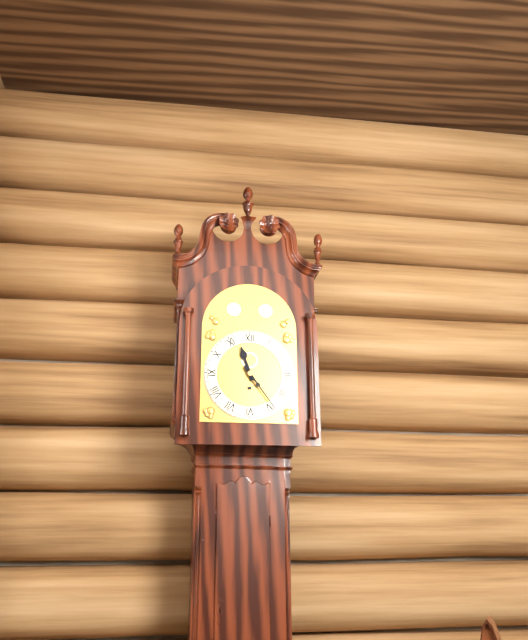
11:24
